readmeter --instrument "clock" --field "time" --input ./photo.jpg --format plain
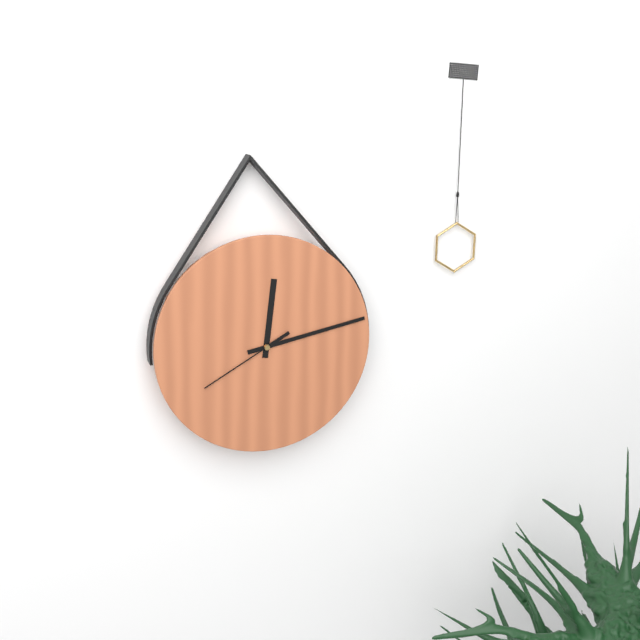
12:13:40
